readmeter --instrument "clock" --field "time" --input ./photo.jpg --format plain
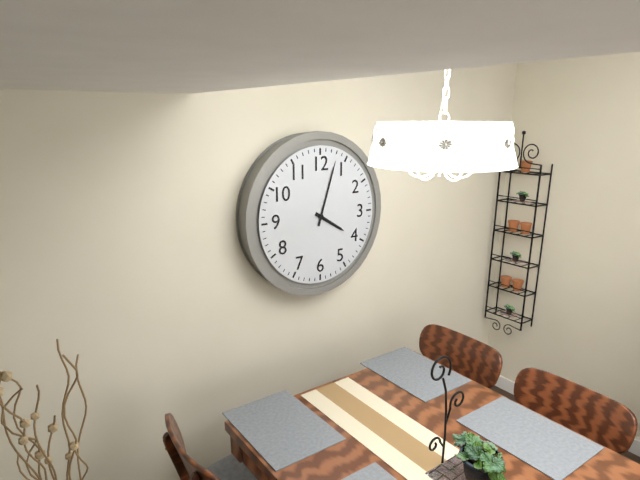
4:03
